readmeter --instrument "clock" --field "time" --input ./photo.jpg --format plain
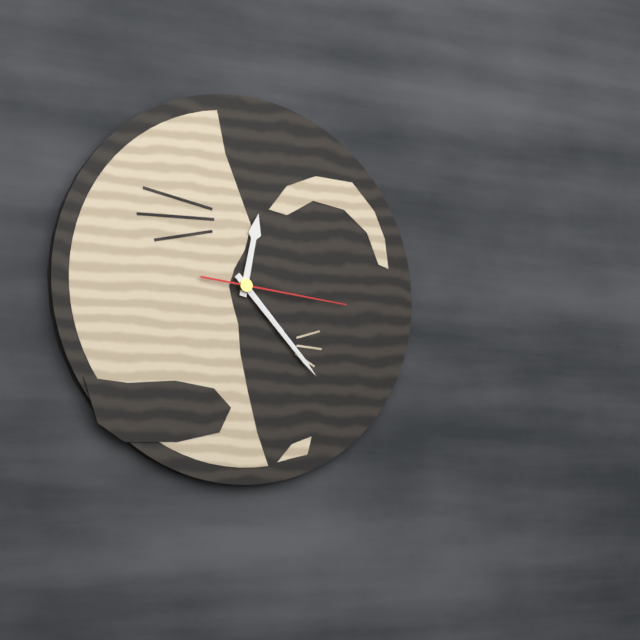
12:23:16
